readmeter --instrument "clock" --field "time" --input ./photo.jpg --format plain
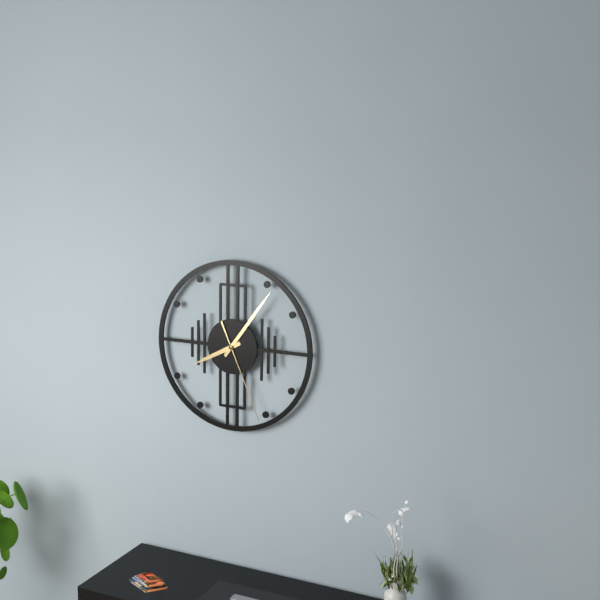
8:06:26
